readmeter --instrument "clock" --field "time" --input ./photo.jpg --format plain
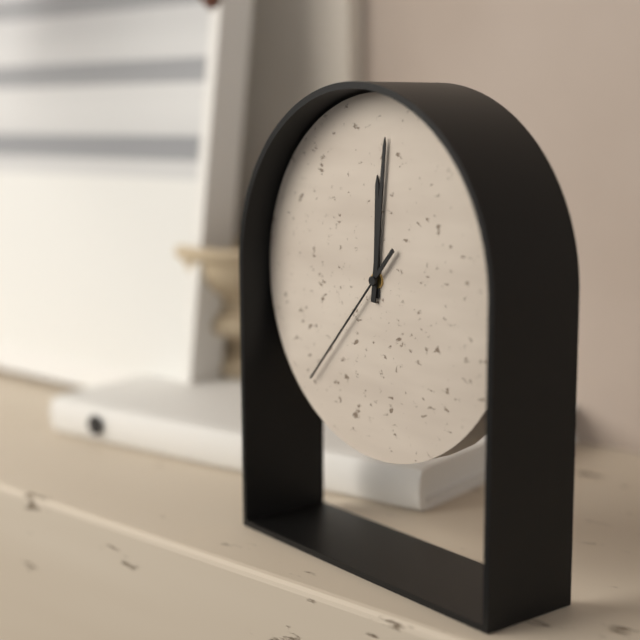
12:01:37
